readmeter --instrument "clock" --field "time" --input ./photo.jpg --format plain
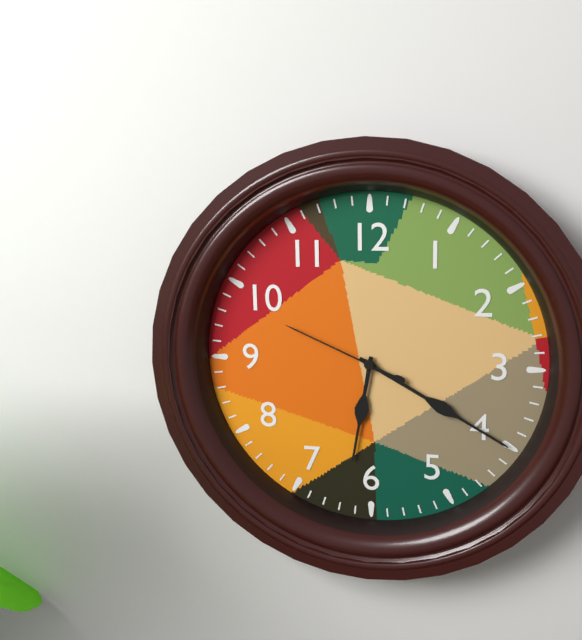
6:20:49
